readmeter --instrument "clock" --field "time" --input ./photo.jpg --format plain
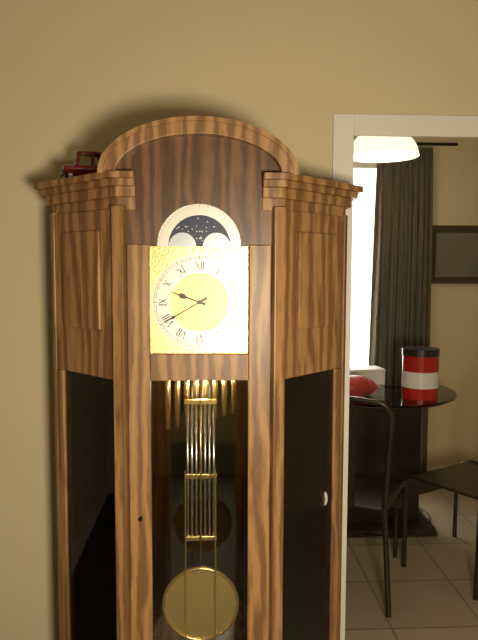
9:40
